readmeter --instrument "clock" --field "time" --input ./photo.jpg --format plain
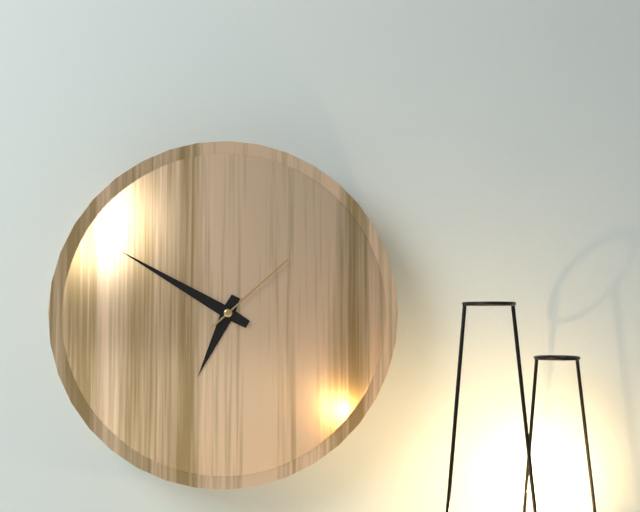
6:50:08
